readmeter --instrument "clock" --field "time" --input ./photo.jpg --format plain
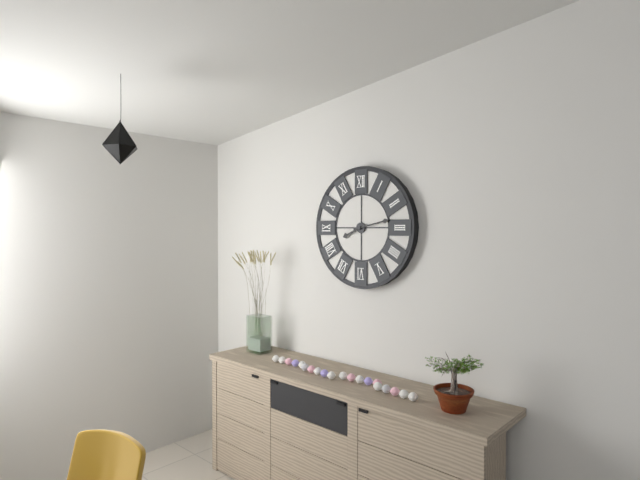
8:13
